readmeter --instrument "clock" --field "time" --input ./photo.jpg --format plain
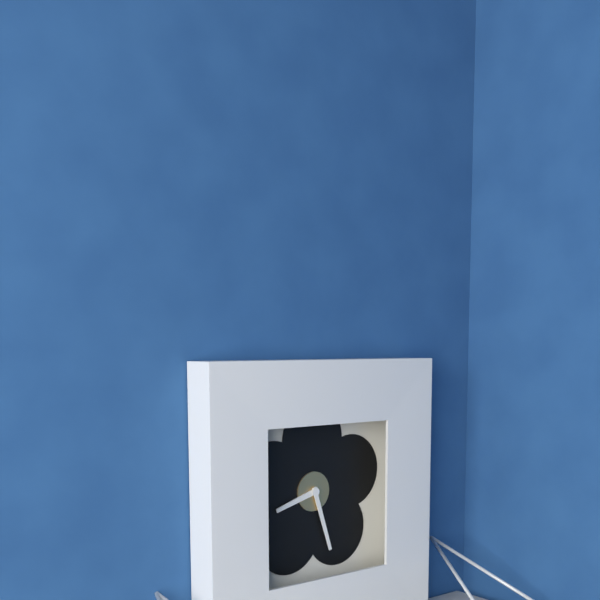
8:27
